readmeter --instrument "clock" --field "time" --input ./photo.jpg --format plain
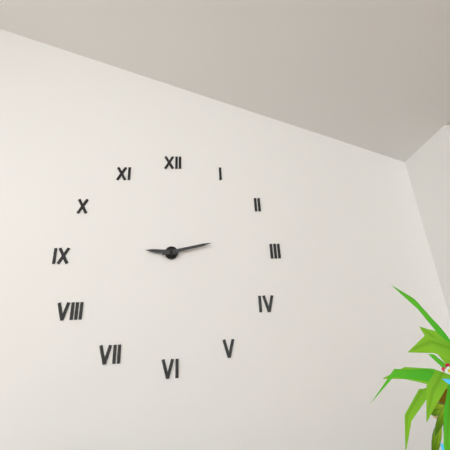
9:13
